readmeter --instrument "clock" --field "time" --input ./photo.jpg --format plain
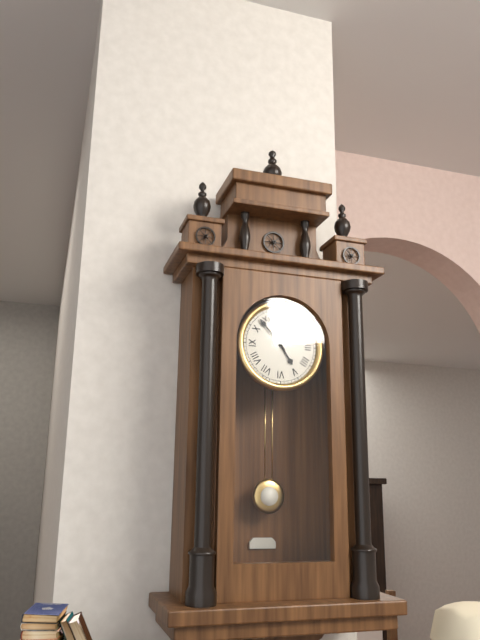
4:53
